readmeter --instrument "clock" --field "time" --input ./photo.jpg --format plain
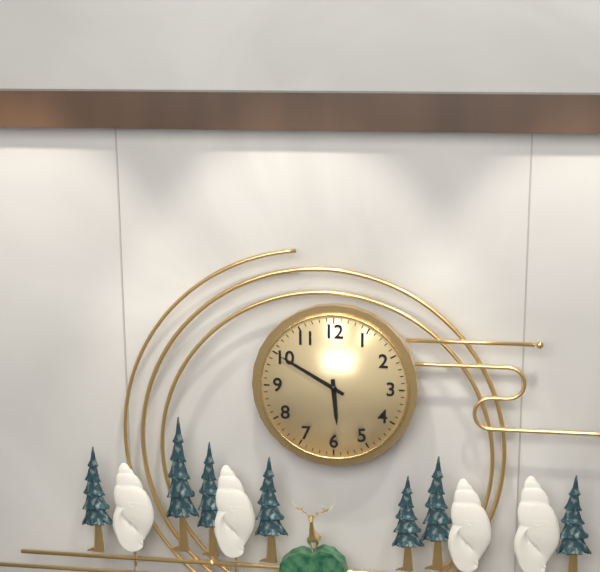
5:50
